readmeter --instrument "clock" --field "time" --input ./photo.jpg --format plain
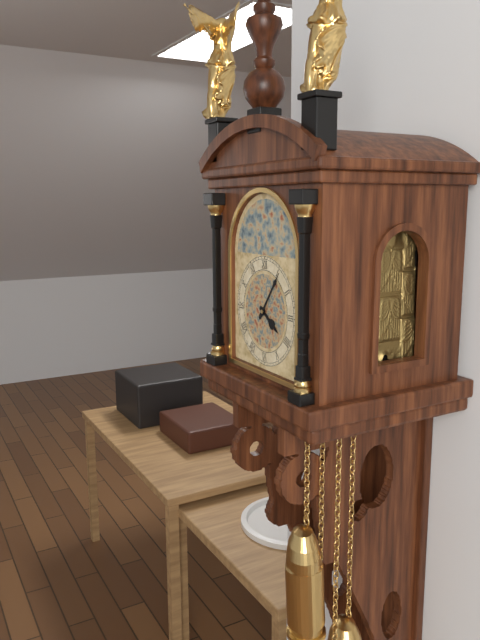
4:06
